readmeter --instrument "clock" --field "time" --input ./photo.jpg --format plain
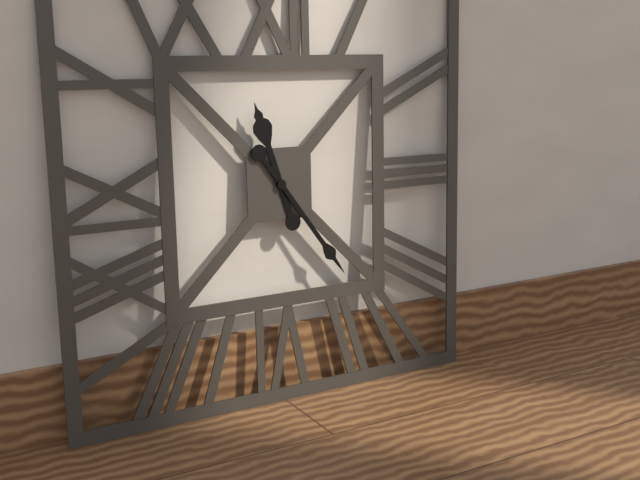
11:24
